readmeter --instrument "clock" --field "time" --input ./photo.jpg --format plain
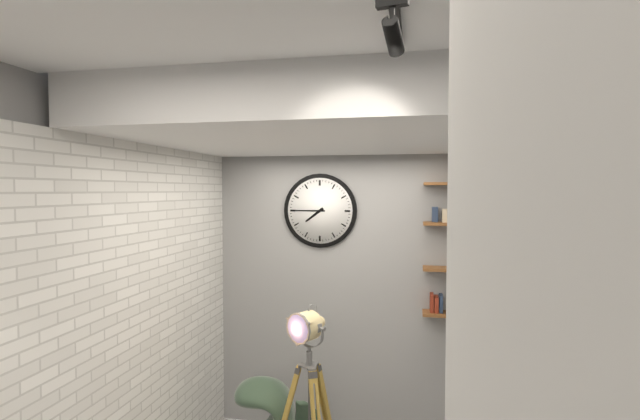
7:45
